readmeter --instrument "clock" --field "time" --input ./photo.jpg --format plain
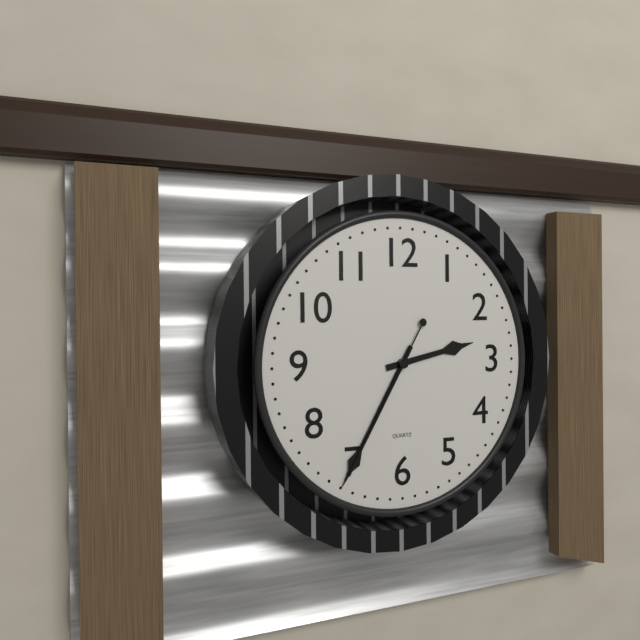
2:35:35
